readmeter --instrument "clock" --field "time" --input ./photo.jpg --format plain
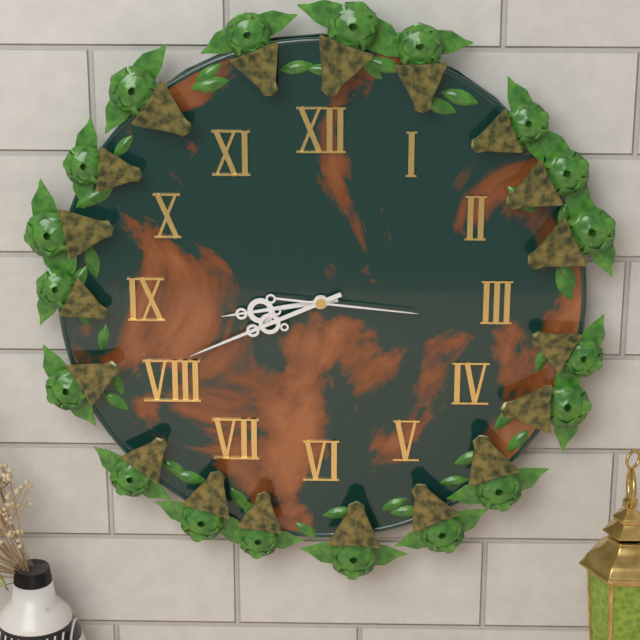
8:41:16
